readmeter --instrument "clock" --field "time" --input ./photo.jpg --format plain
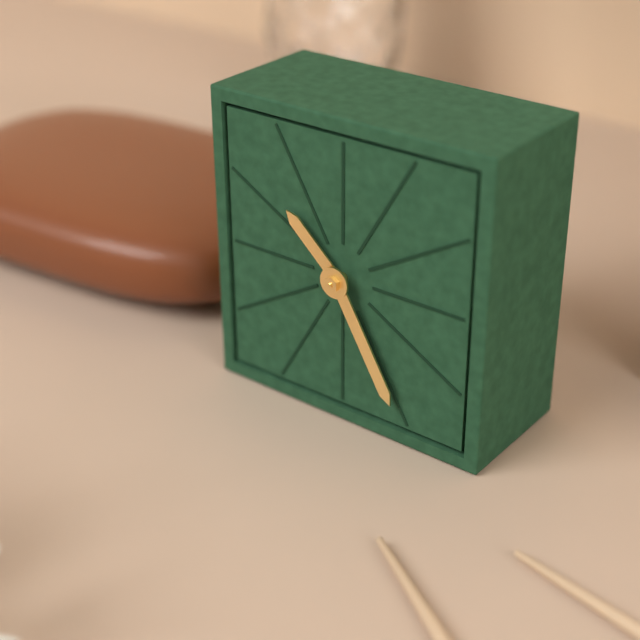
10:25
